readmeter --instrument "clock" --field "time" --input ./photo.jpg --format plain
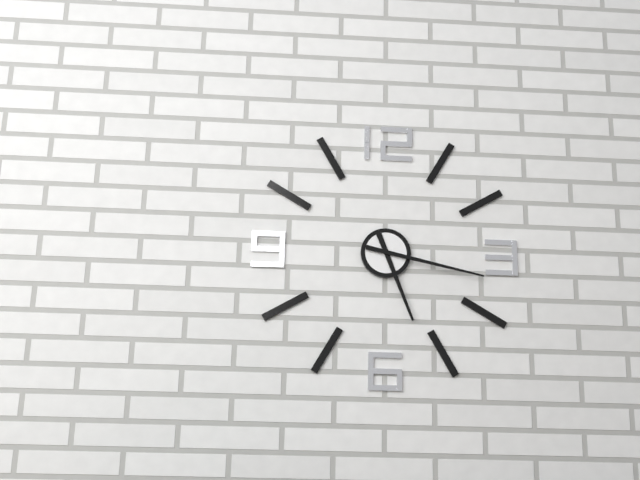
5:17
